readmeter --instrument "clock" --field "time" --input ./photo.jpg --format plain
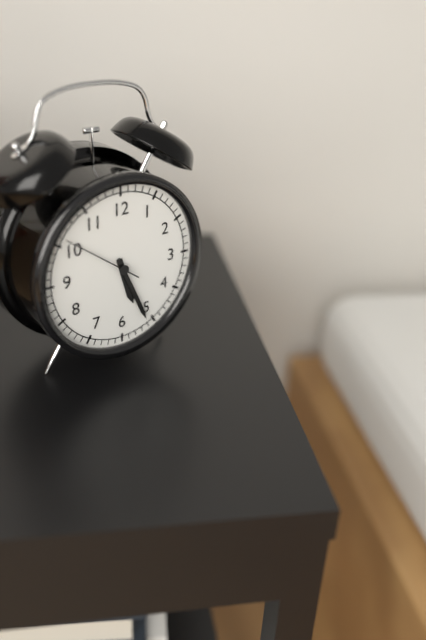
5:26:51
